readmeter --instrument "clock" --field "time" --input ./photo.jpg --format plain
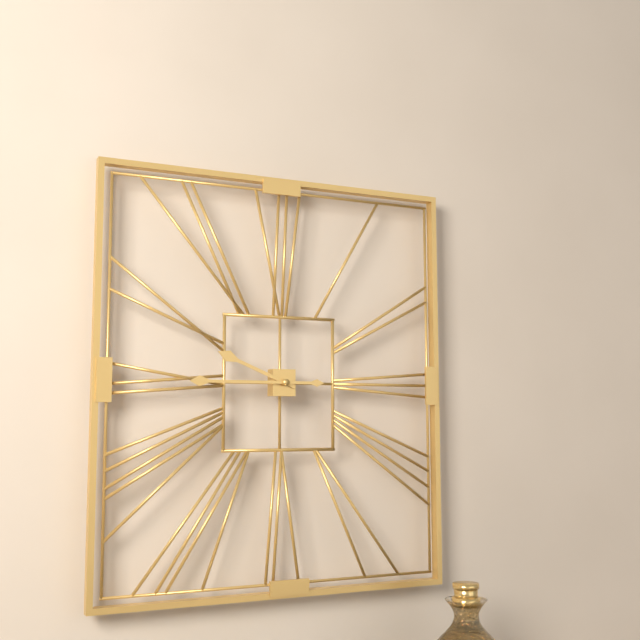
9:45
